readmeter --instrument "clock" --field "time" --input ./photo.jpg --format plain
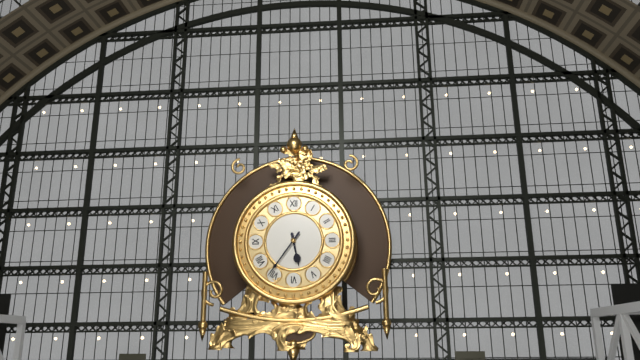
5:36
